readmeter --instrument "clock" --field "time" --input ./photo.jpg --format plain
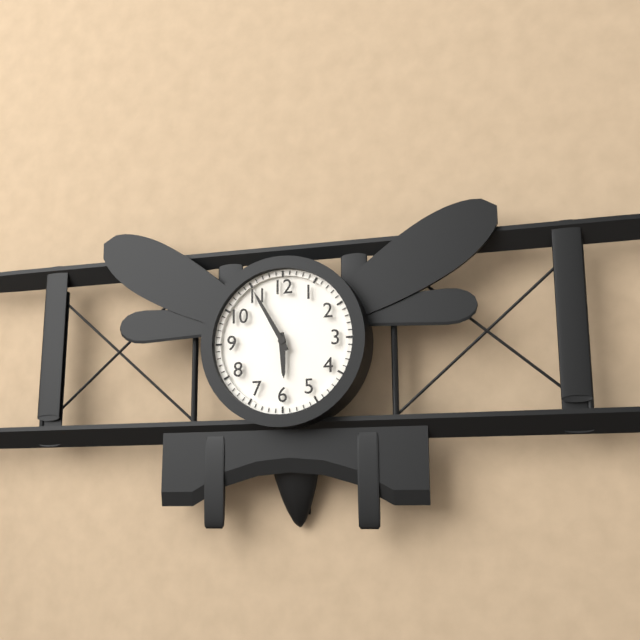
5:55
